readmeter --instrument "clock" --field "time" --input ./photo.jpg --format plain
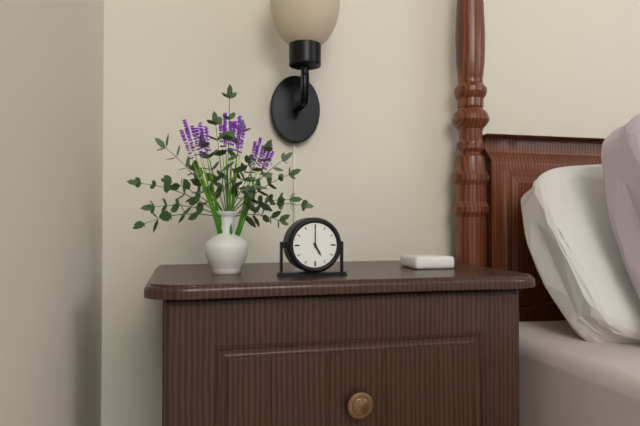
5:00
